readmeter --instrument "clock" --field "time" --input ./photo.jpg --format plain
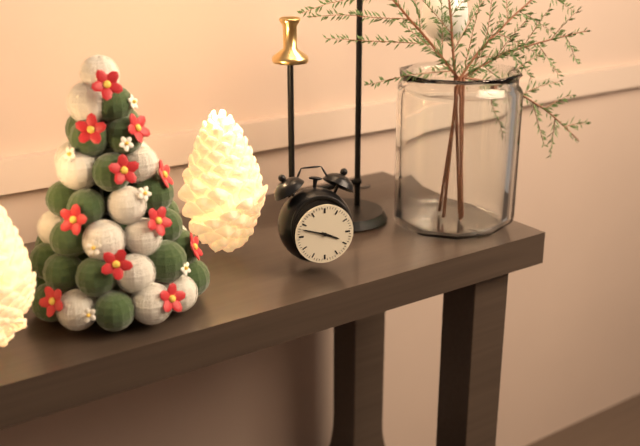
3:48
